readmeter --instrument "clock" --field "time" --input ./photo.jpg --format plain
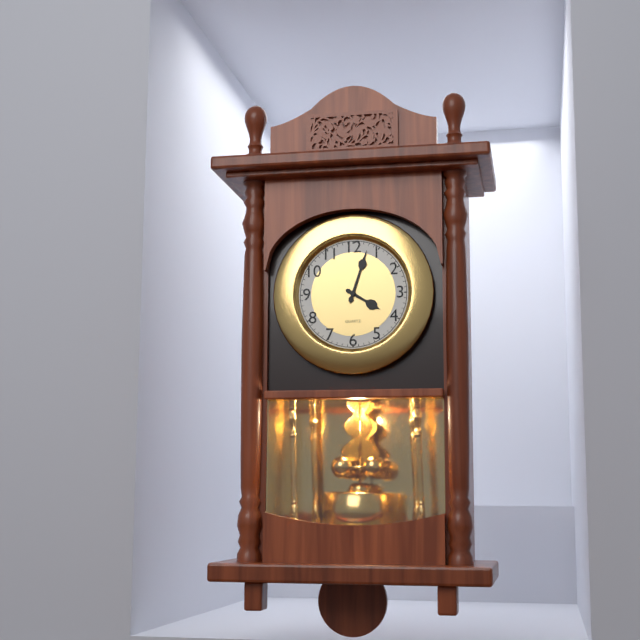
4:03
